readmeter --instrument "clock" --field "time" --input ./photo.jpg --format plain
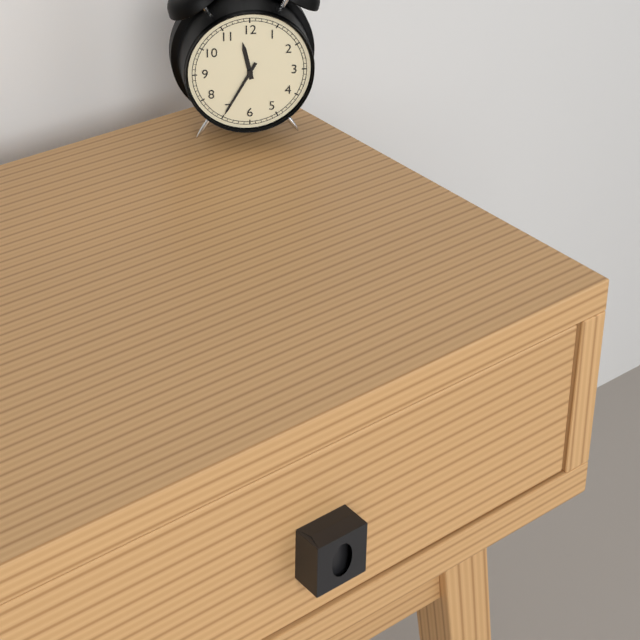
11:35
